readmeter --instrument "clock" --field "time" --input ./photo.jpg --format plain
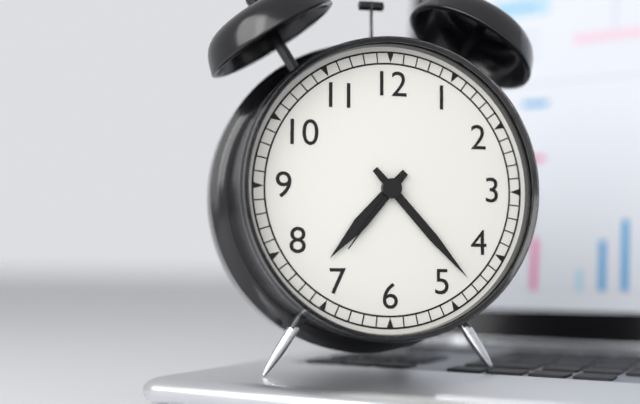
7:23:36
